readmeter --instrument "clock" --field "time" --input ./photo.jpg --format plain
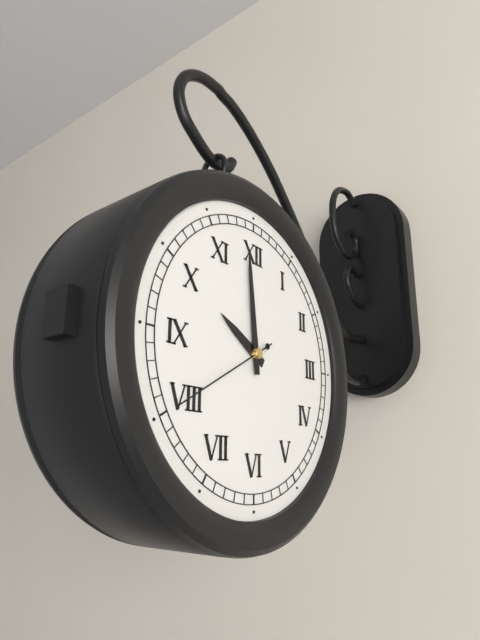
9:59:40
